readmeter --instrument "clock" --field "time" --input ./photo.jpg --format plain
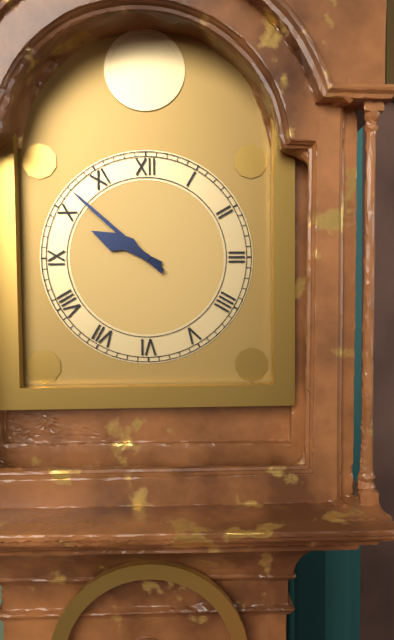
9:52
